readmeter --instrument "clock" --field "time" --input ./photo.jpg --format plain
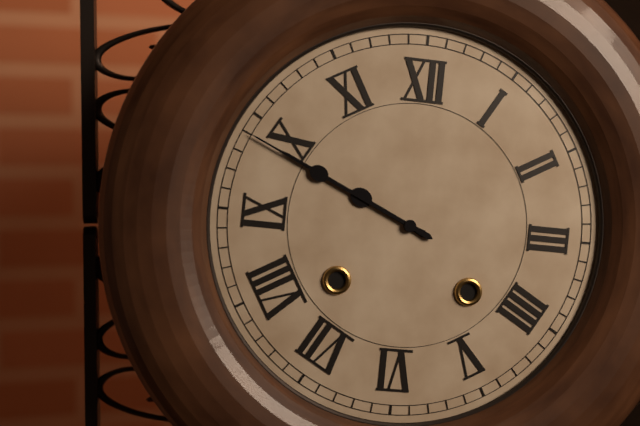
9:49
